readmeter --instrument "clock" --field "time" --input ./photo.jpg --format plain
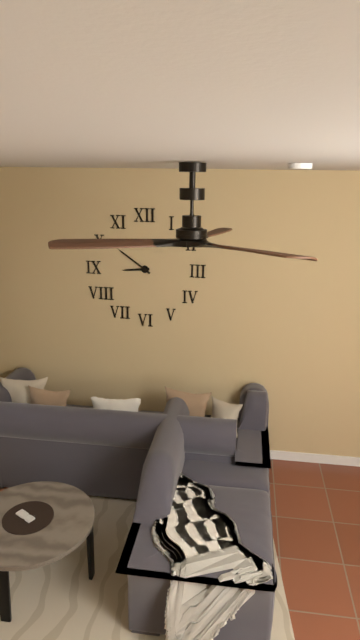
8:51
